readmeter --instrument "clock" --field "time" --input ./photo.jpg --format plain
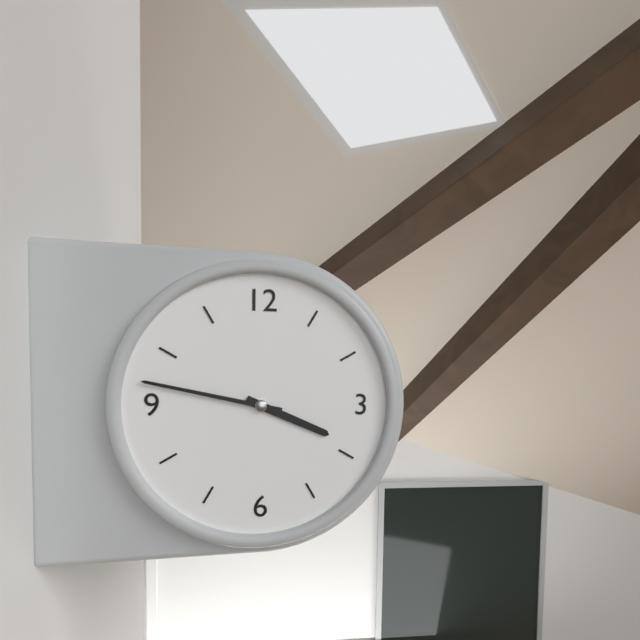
3:47
